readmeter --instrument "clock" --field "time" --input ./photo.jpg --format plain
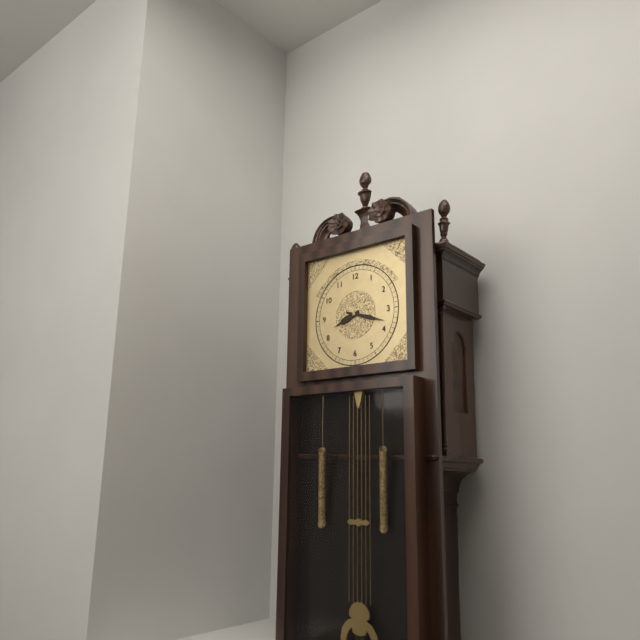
8:18
